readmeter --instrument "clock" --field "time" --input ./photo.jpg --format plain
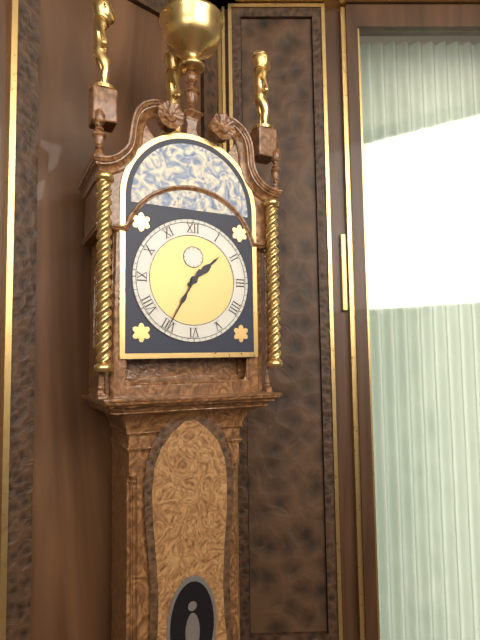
1:35
